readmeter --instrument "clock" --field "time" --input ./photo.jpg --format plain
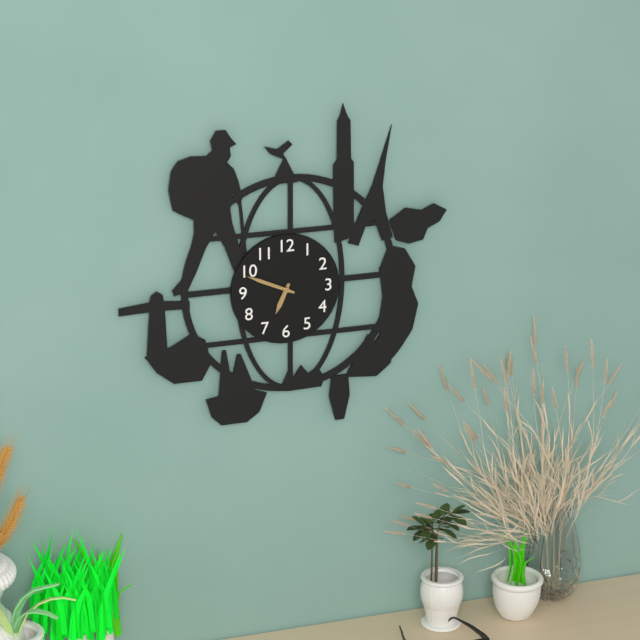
6:49
